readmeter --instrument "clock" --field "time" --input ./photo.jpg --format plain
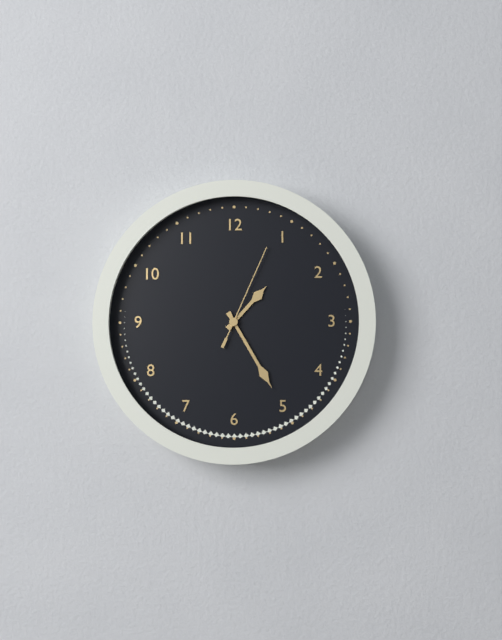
1:25:04
